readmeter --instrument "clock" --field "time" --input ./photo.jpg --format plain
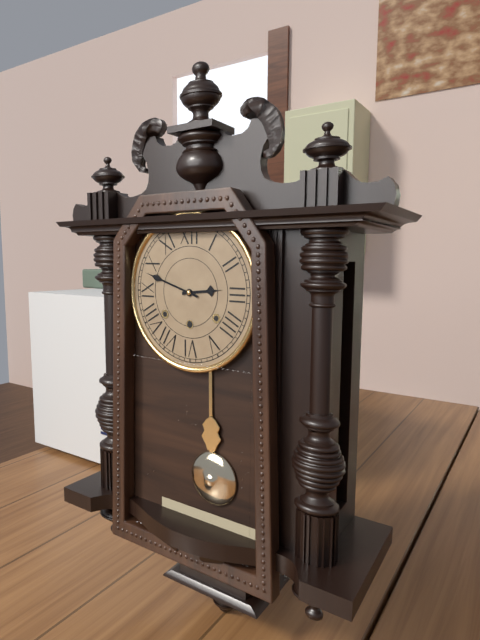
2:48
